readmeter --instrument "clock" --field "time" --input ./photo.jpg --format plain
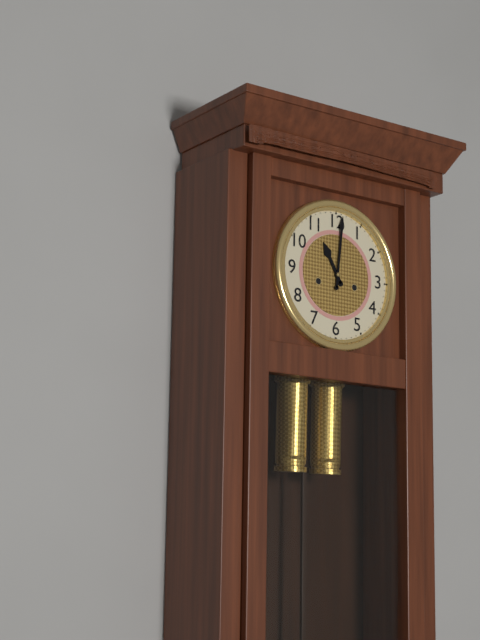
11:01
